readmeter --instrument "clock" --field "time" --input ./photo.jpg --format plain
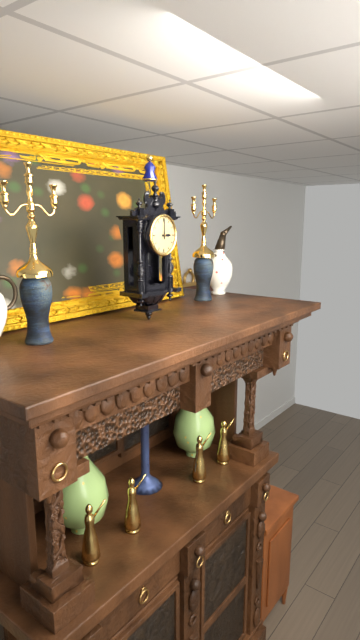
3:00
